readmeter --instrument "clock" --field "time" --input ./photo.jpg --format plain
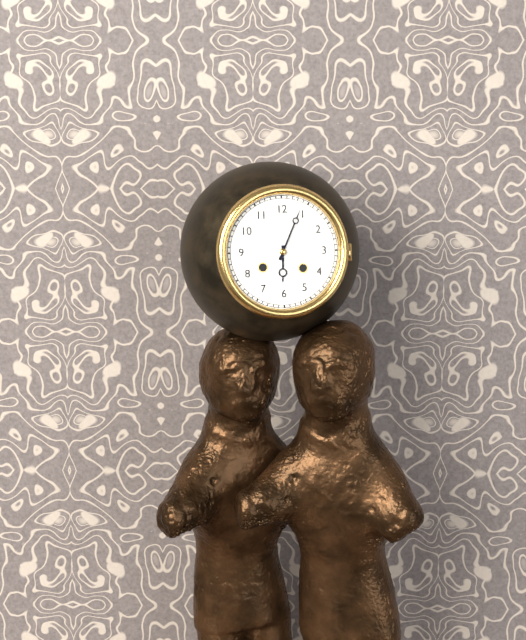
6:04
